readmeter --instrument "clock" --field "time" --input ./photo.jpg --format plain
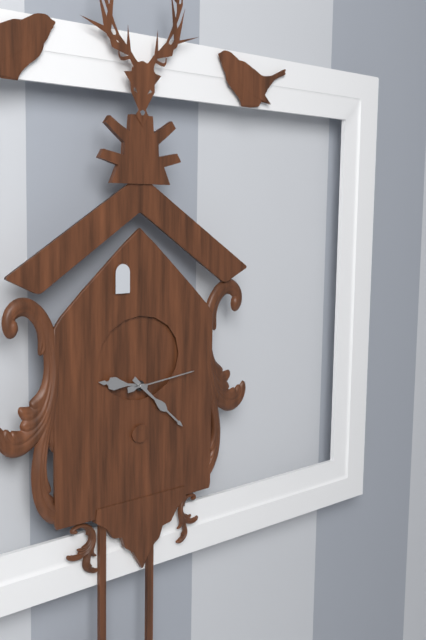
9:22:14
